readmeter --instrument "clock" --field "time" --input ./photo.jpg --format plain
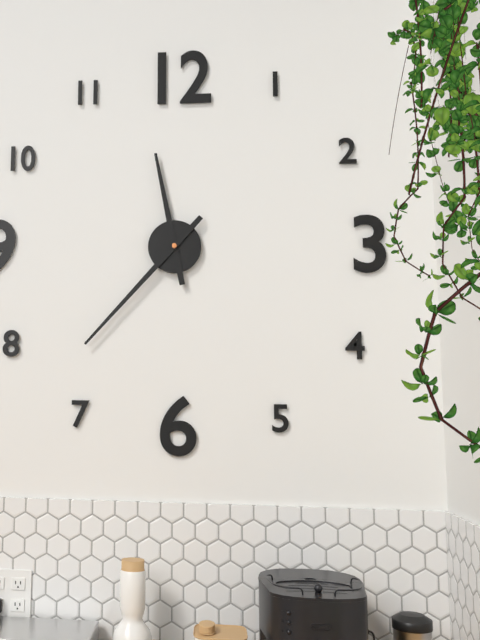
11:37
